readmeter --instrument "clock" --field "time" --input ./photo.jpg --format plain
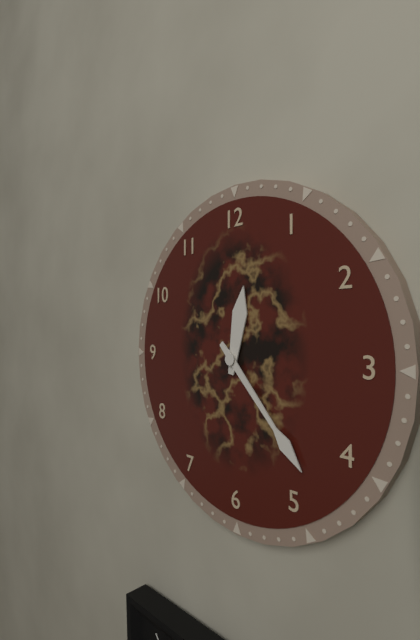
12:23
